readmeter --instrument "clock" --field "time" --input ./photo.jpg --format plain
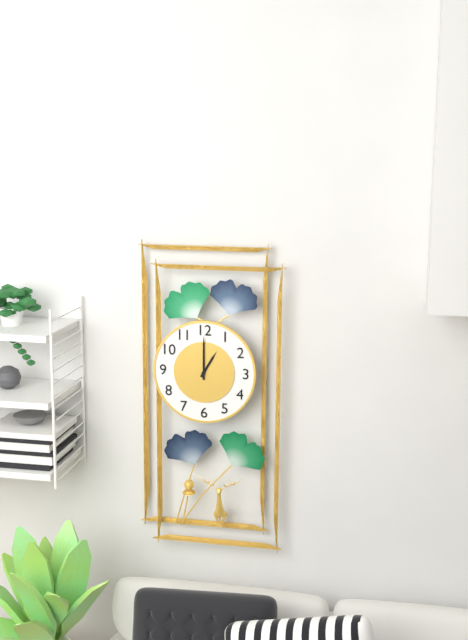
1:00
